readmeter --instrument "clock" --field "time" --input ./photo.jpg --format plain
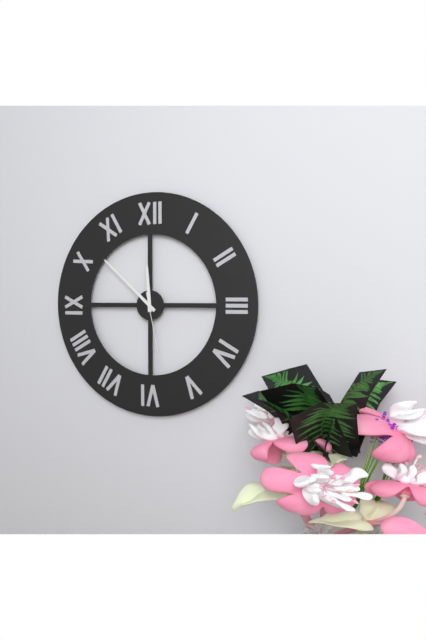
11:52:28
